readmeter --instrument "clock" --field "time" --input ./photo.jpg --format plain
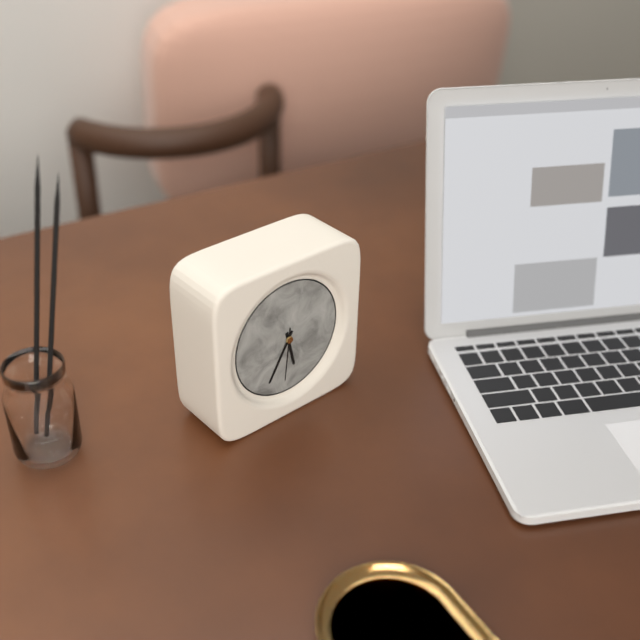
5:35:31
